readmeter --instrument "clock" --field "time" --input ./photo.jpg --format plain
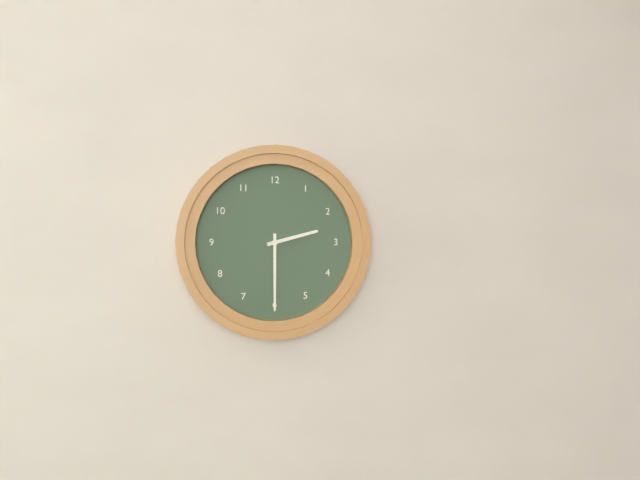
2:30
